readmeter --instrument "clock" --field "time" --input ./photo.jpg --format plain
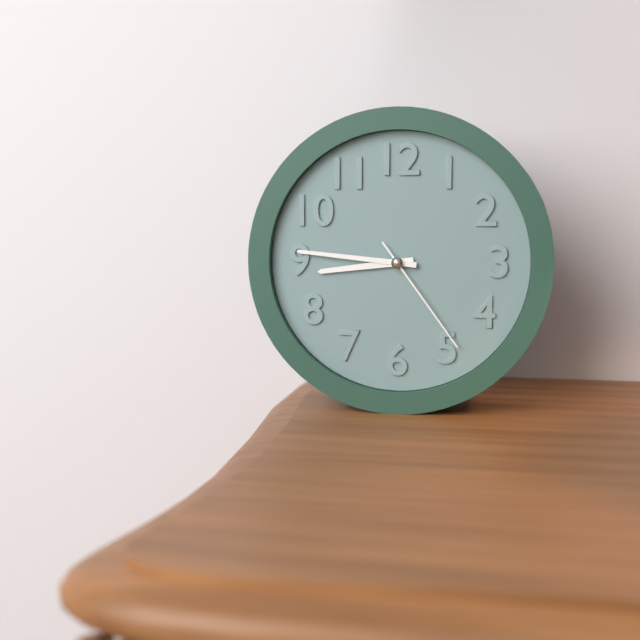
8:46:24
